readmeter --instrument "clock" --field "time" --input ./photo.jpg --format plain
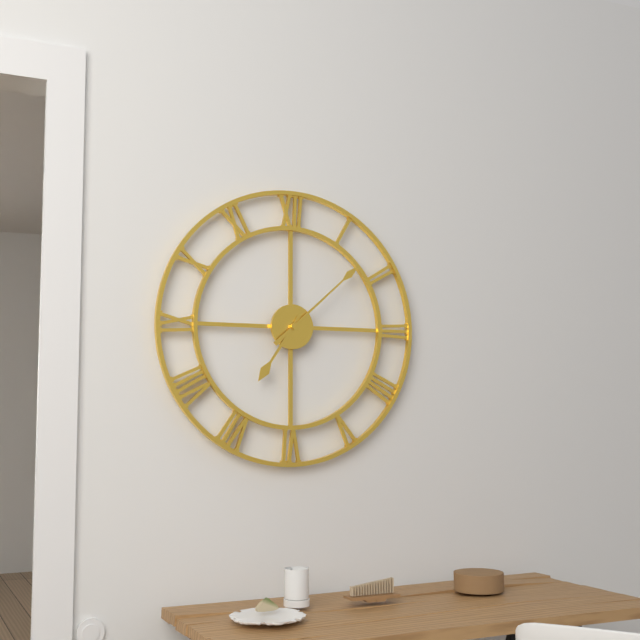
7:08
